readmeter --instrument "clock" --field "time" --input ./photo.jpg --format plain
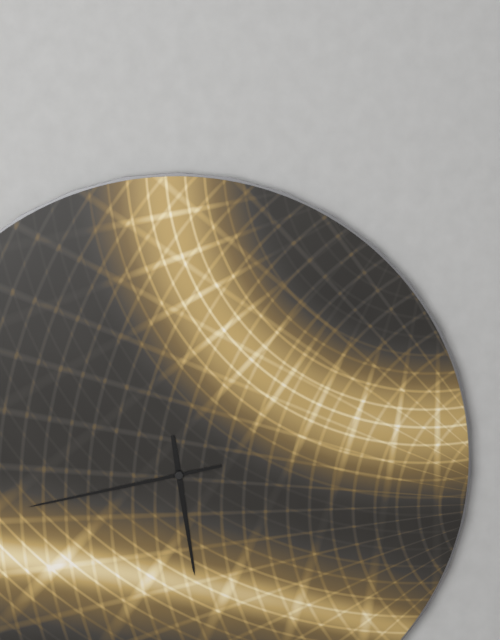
5:43
